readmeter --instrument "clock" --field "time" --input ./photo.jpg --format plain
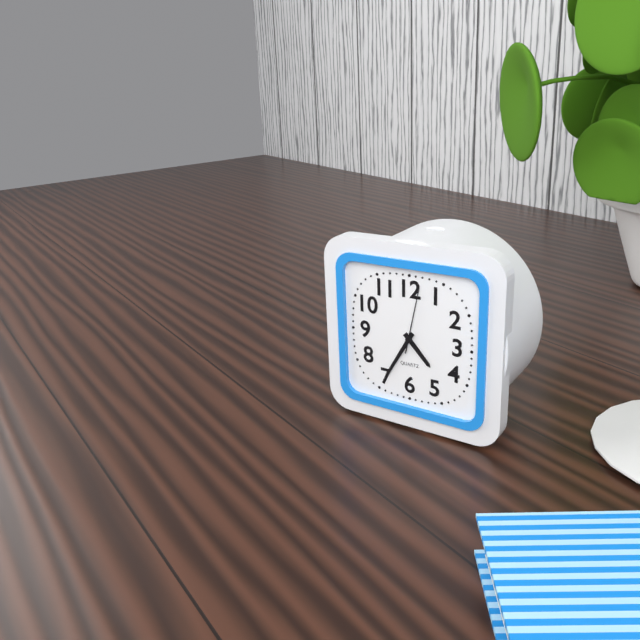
4:35:02
